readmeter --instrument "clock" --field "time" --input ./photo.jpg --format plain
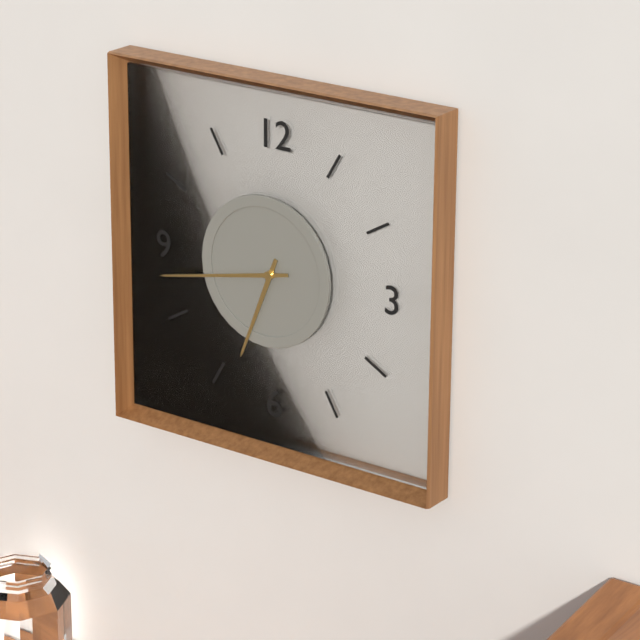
6:43
